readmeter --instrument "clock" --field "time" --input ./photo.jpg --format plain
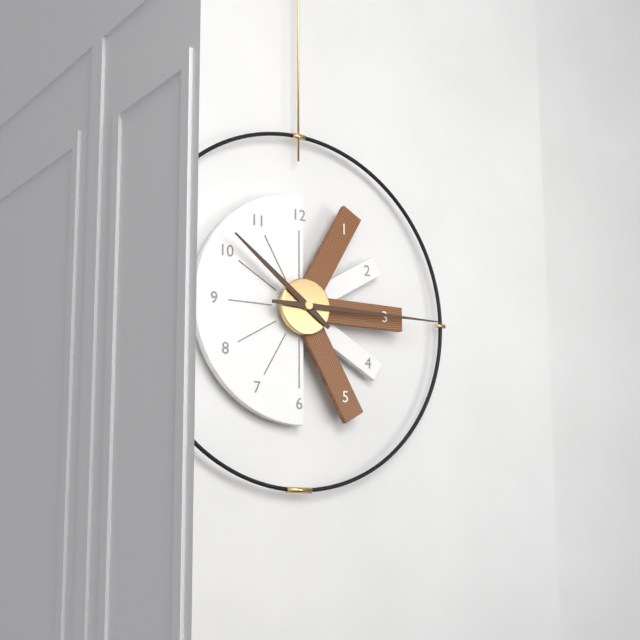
10:15
